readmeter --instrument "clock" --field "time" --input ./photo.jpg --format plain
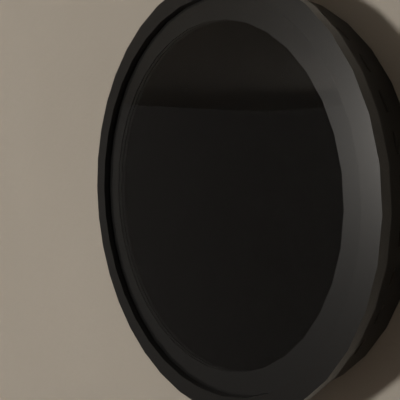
1:52
